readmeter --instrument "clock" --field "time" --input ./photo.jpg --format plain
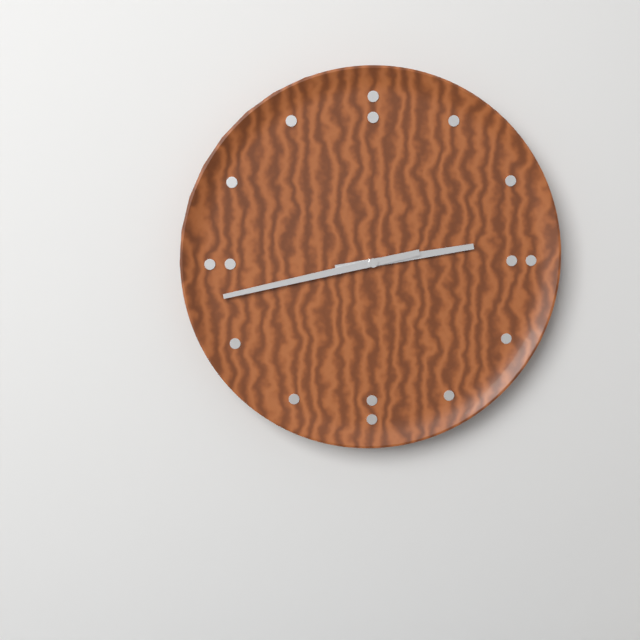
2:43
